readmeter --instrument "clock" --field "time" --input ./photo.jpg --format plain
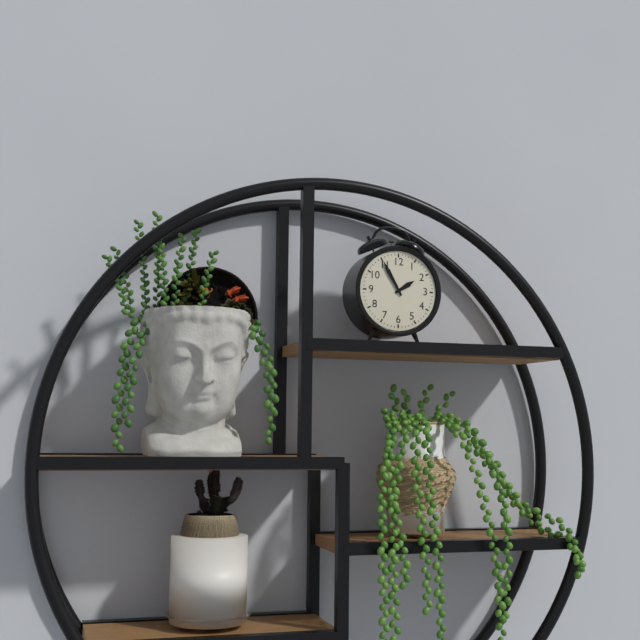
1:55
